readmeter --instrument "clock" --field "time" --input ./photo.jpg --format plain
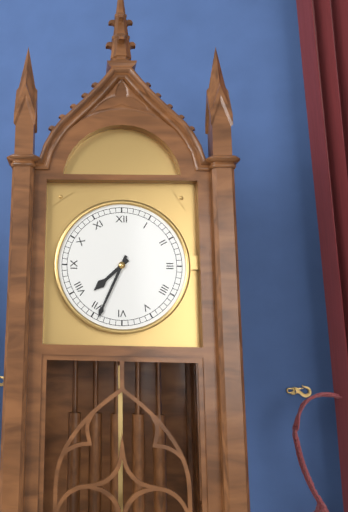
7:34
